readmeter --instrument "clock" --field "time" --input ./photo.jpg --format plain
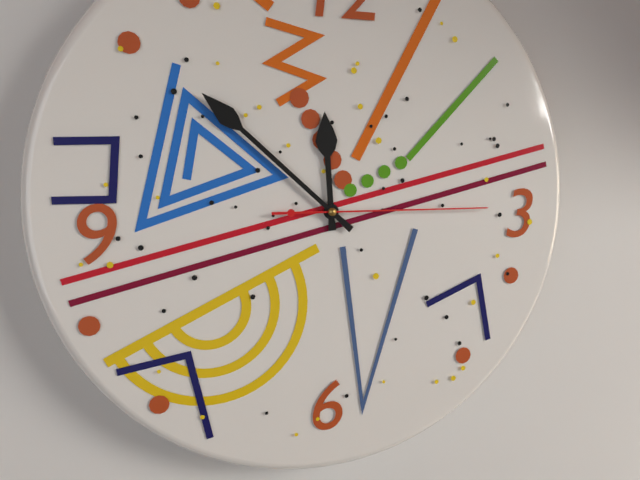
11:52:15
